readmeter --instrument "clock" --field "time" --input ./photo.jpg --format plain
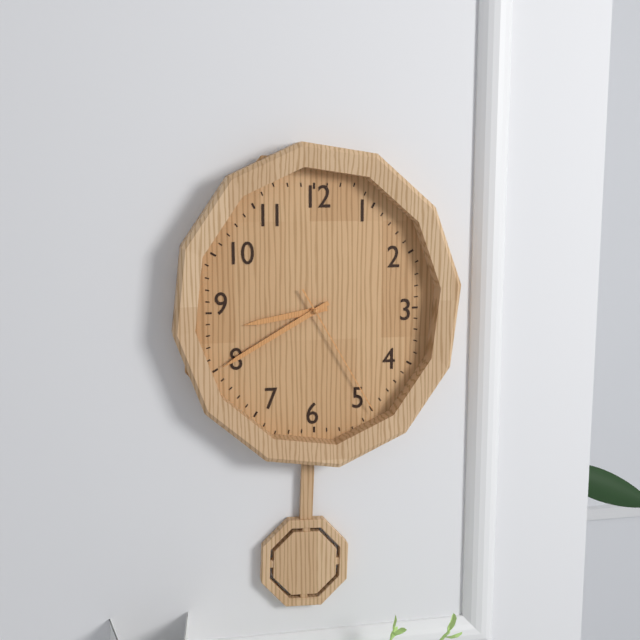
8:40:25
